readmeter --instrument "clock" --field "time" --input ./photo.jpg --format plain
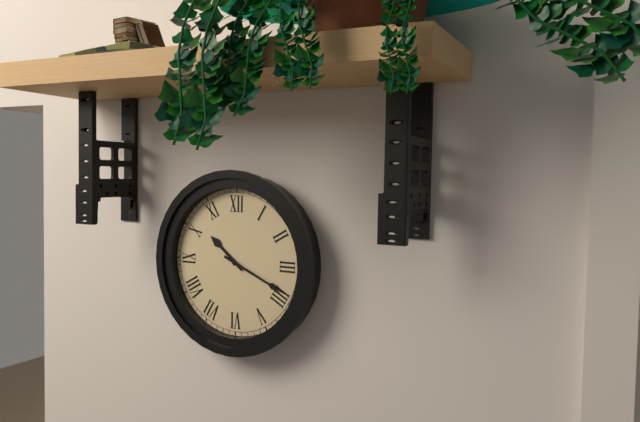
10:19
